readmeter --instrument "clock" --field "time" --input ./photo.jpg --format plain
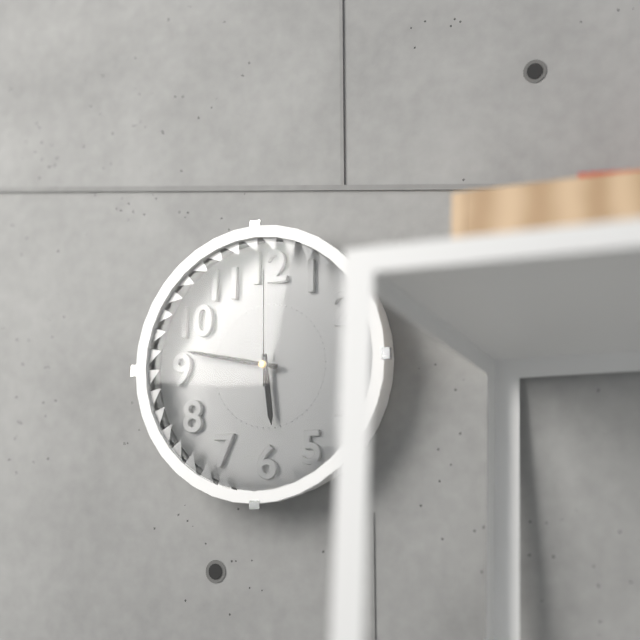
5:47:00
